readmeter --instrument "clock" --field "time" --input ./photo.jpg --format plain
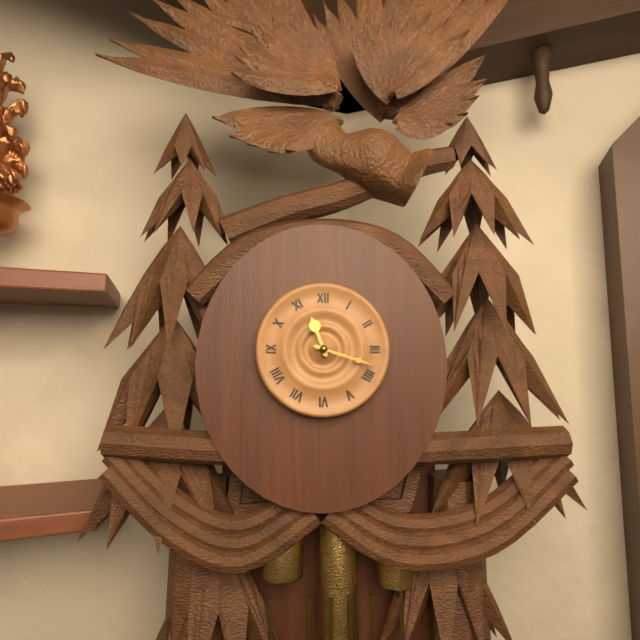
11:18
